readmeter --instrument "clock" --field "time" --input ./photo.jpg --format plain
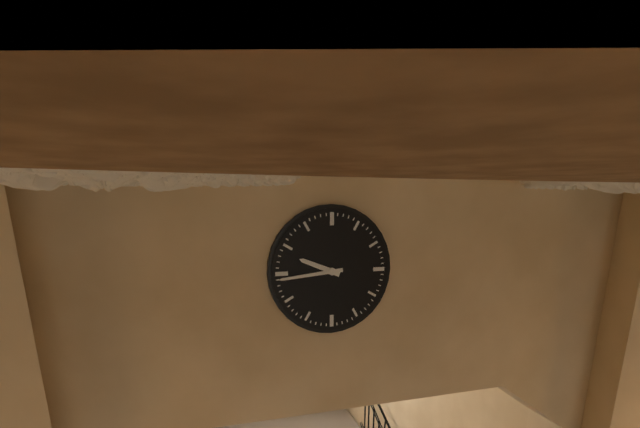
9:44
